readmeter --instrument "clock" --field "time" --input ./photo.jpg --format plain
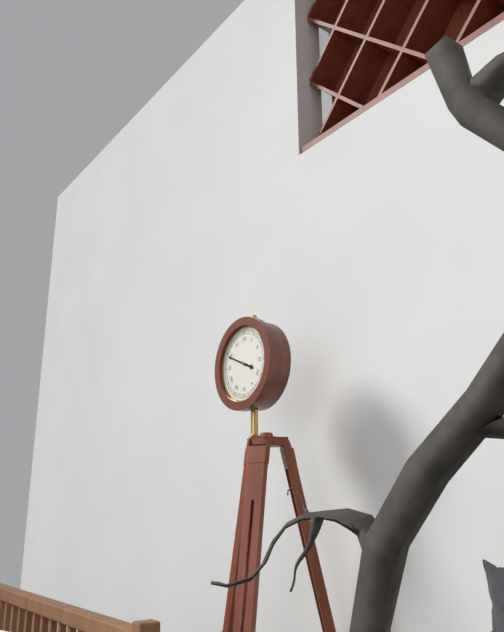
3:49
